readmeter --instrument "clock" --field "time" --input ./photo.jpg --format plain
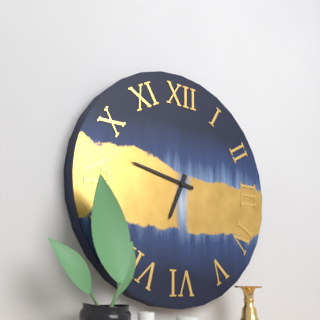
6:47
